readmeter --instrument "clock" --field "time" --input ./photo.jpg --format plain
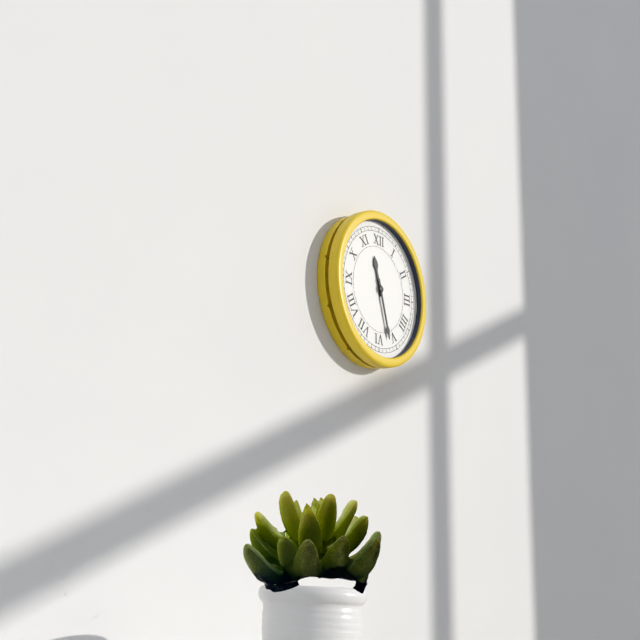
11:27
